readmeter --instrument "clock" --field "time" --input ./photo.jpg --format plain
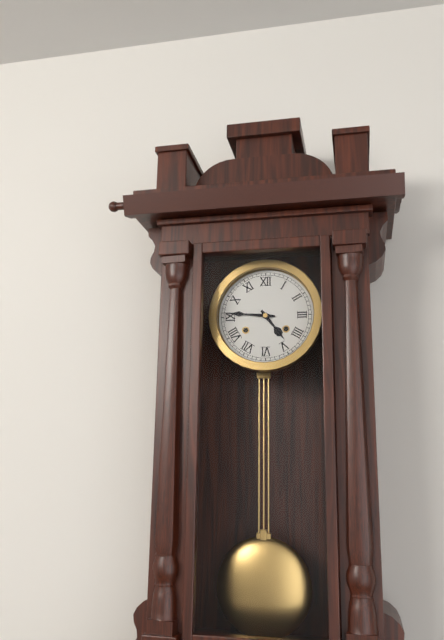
4:46
